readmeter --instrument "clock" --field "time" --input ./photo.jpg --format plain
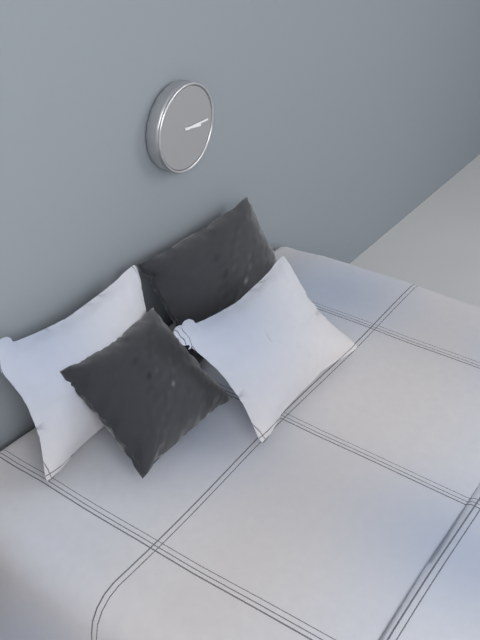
3:15
